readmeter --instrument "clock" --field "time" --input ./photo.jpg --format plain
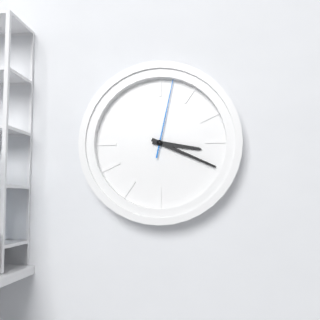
3:19:02
